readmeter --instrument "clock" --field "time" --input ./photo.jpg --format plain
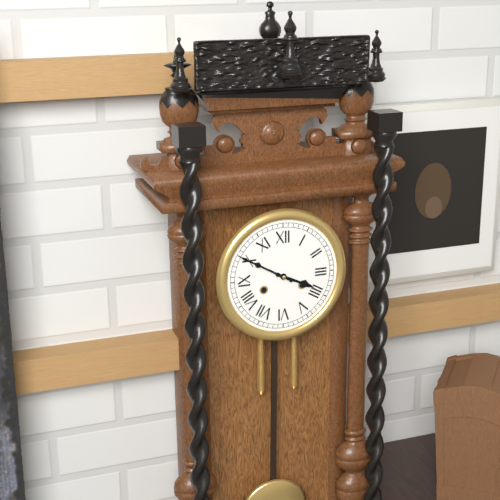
3:50
